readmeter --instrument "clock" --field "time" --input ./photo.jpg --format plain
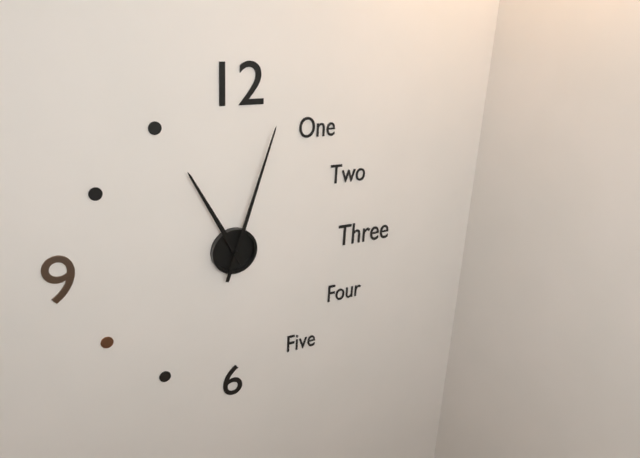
11:03
